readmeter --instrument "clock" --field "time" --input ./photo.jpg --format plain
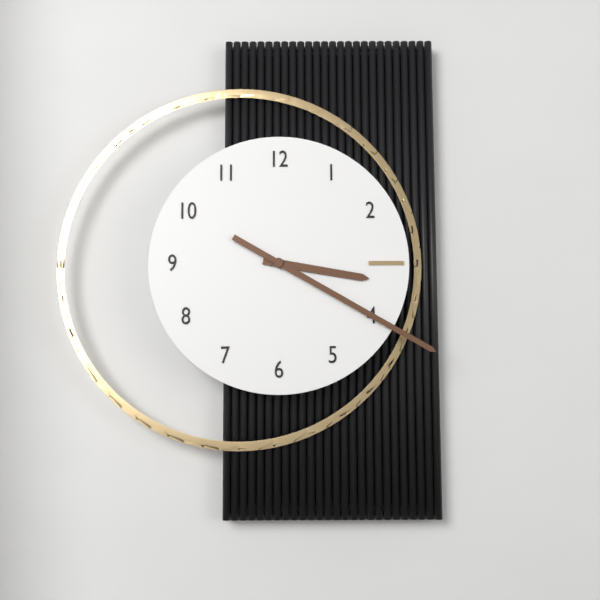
3:20
